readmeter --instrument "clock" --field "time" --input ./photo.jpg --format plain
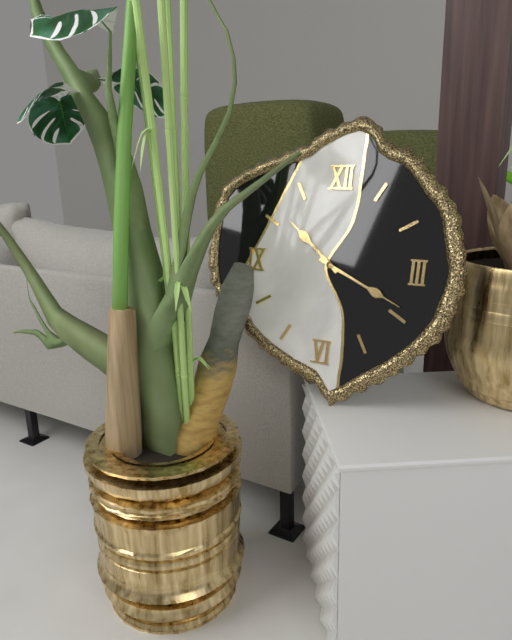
10:19
